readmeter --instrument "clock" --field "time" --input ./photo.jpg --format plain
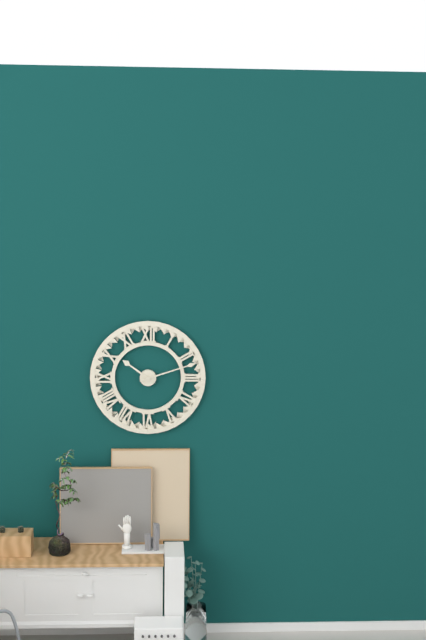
10:12
